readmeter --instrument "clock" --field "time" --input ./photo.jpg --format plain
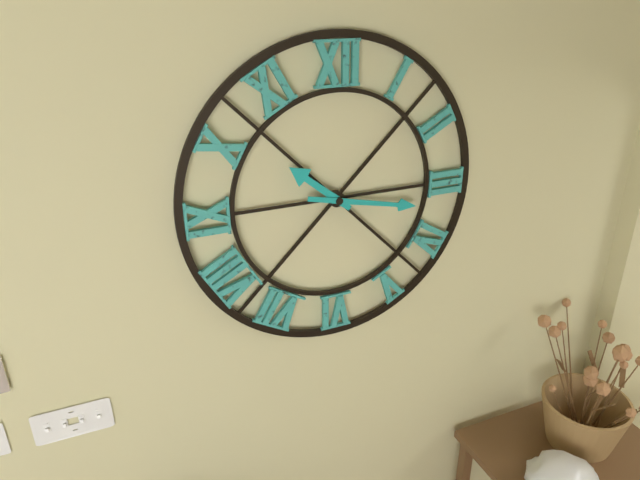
10:17
